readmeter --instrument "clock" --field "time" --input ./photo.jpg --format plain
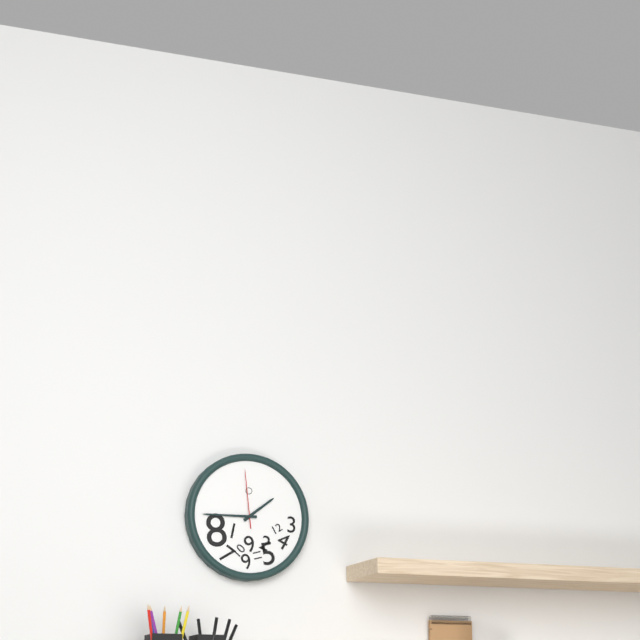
1:45:59
